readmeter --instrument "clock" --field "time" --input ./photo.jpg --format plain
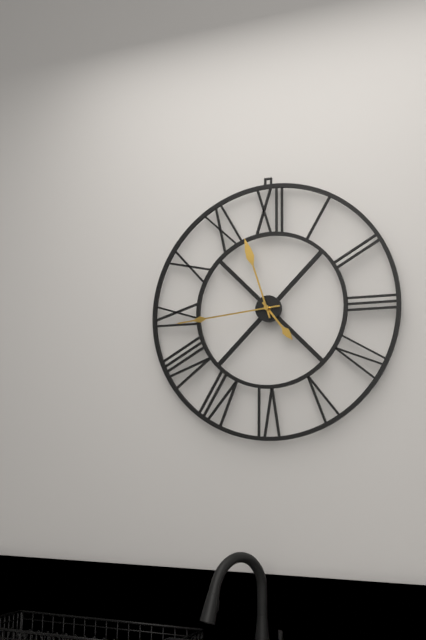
4:44:57
